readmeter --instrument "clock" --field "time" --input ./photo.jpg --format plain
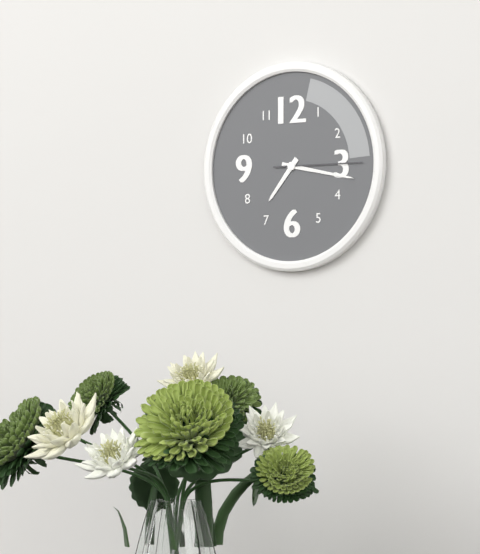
7:17:15
